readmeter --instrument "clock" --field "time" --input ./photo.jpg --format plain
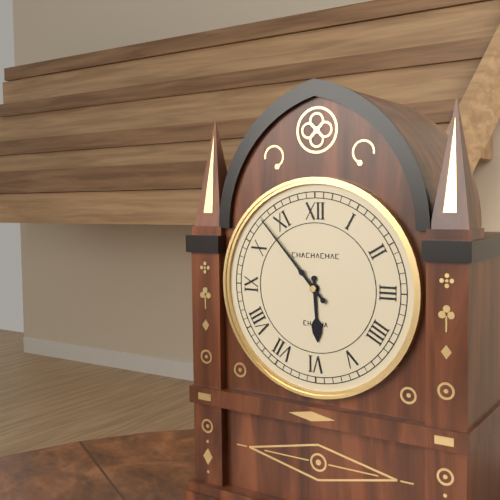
5:53
